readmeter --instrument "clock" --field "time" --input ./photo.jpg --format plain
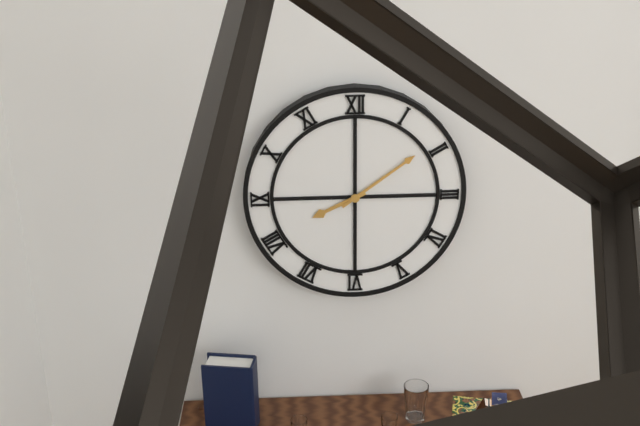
8:09
